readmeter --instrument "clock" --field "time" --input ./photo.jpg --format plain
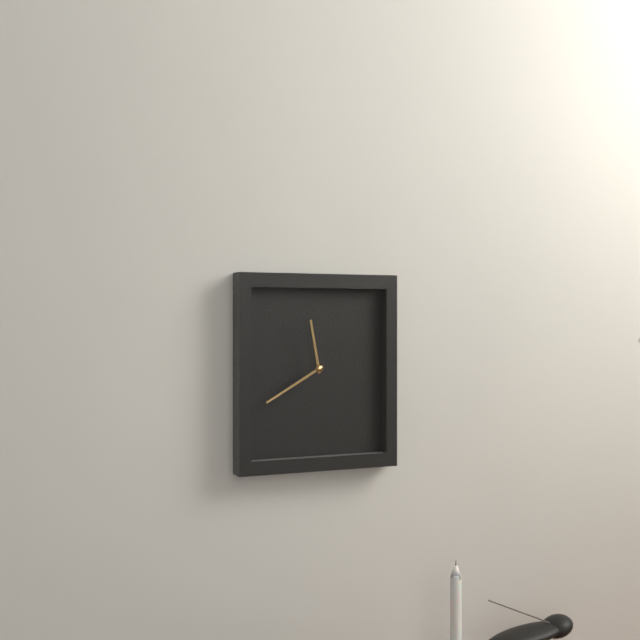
11:40
